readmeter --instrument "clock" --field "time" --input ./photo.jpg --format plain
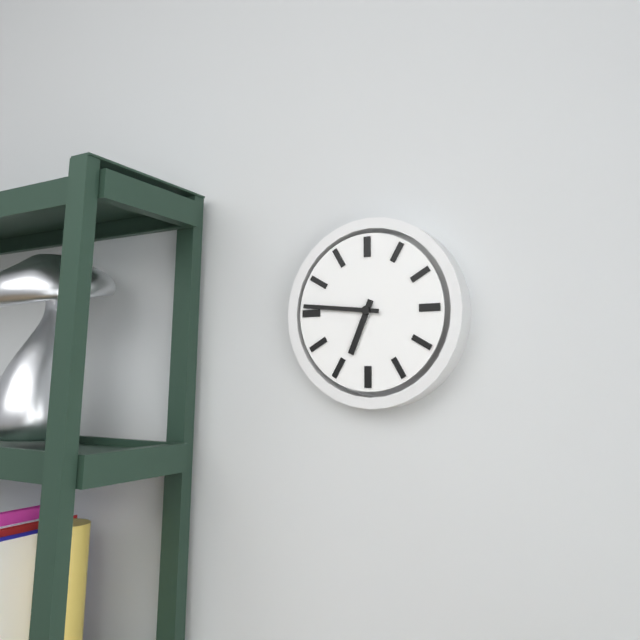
6:46
